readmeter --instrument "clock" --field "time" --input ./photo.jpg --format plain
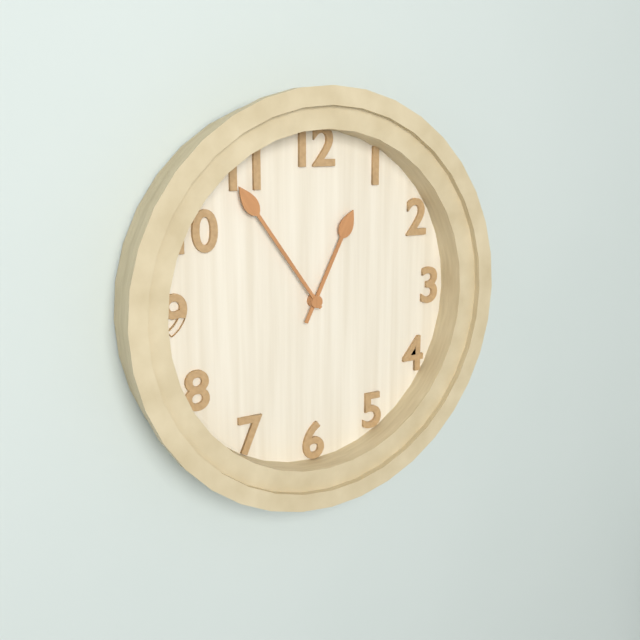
12:54
